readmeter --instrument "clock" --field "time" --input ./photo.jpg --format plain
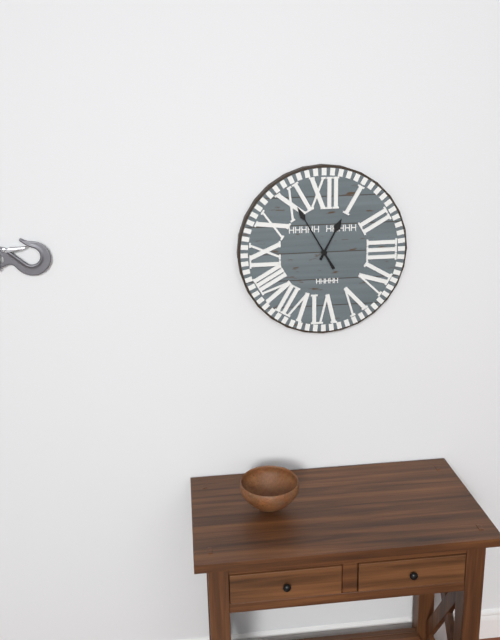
12:55
